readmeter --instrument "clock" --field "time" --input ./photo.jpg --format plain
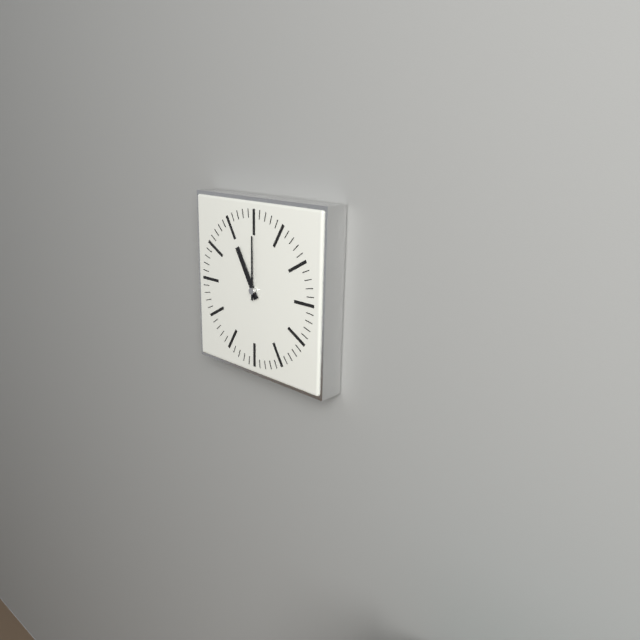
11:00
